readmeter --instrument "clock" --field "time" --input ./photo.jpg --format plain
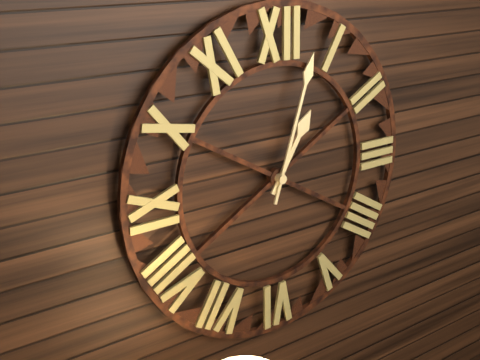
1:03
